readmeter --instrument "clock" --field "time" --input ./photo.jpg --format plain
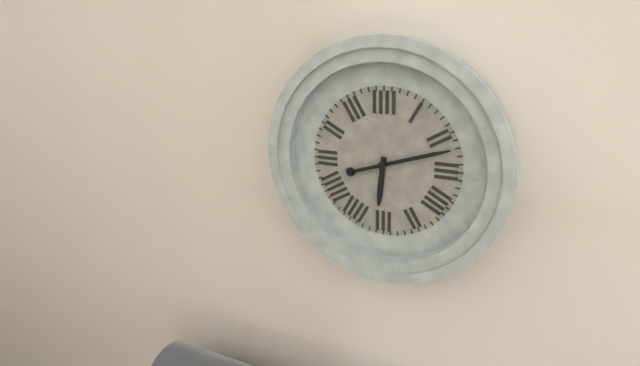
6:12
